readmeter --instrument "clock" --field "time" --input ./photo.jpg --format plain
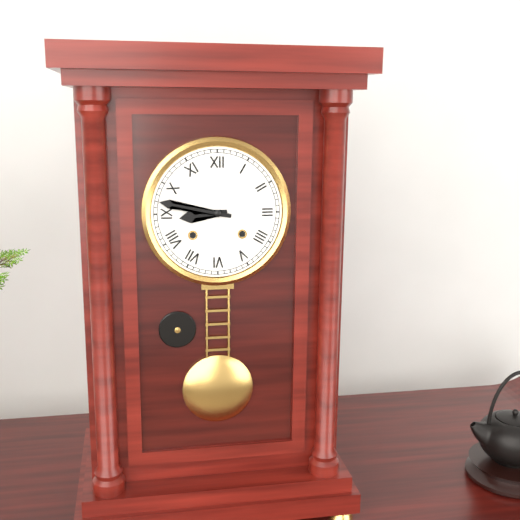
8:47
